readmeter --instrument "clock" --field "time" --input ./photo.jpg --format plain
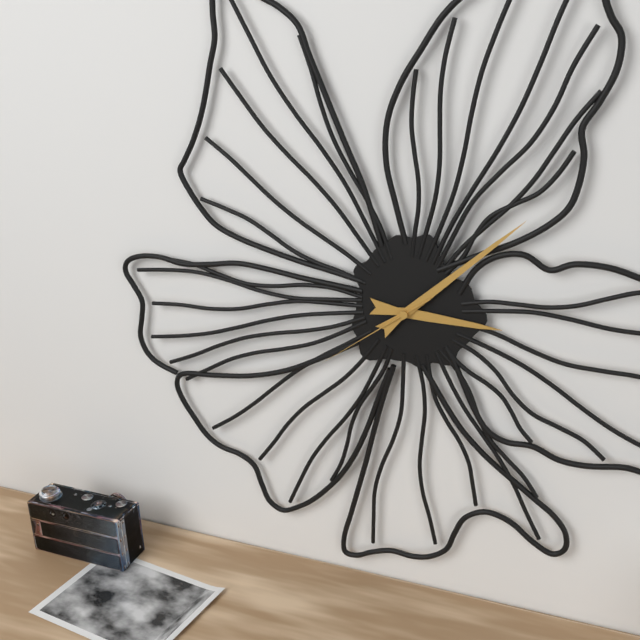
3:08:39
